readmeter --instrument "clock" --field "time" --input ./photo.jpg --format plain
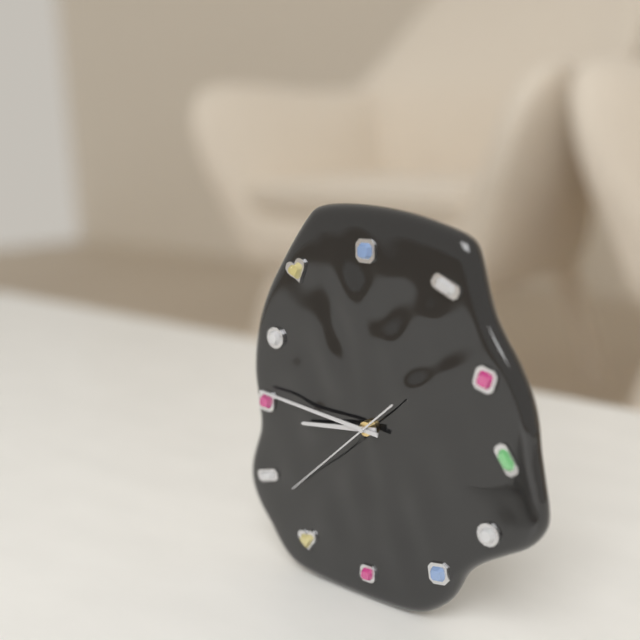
8:46:38
